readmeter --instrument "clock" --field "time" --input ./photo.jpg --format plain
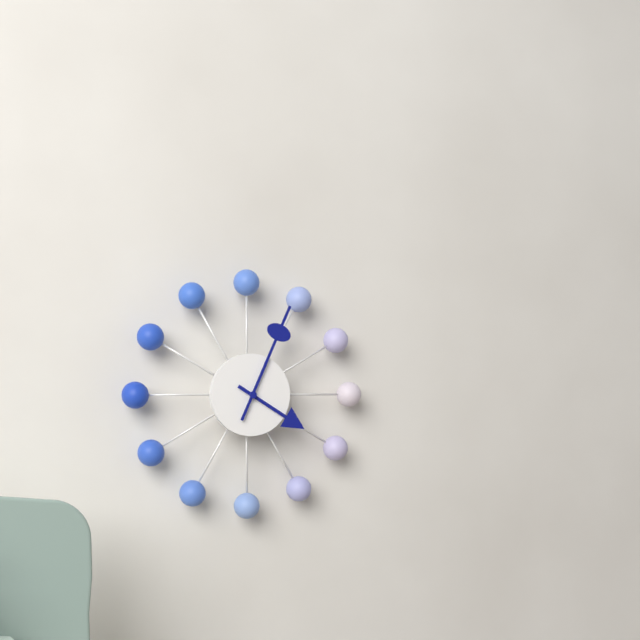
4:04
